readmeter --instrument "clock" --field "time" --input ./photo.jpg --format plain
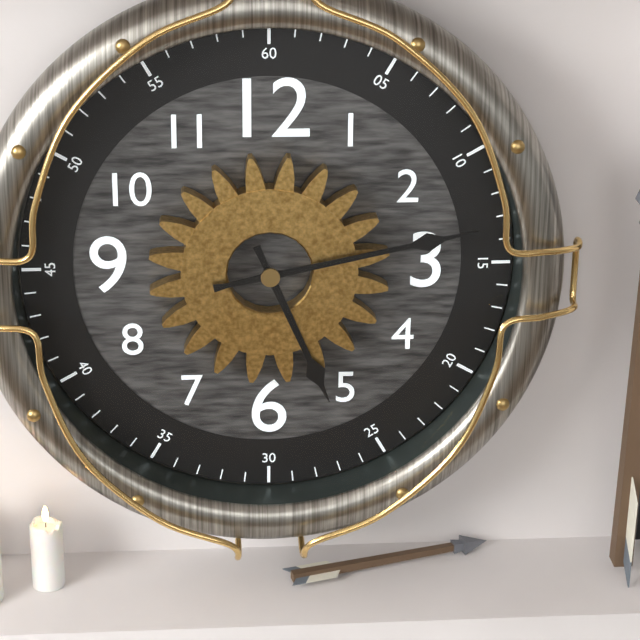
5:13
